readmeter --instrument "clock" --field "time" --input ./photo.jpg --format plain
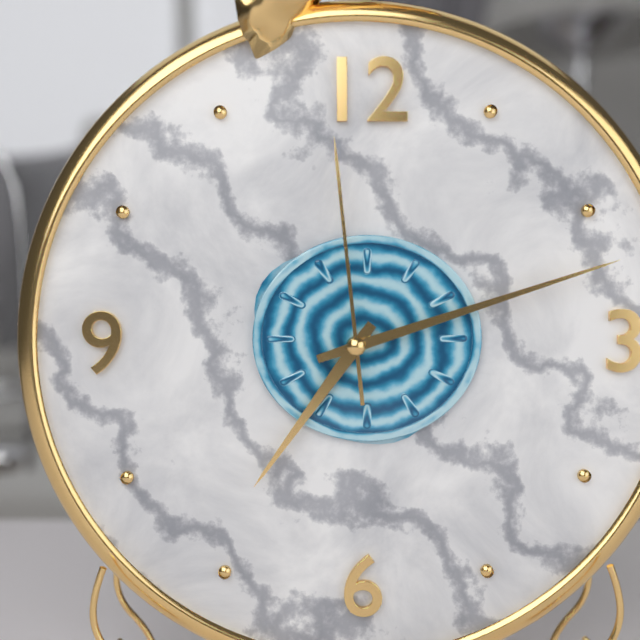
7:12:59
